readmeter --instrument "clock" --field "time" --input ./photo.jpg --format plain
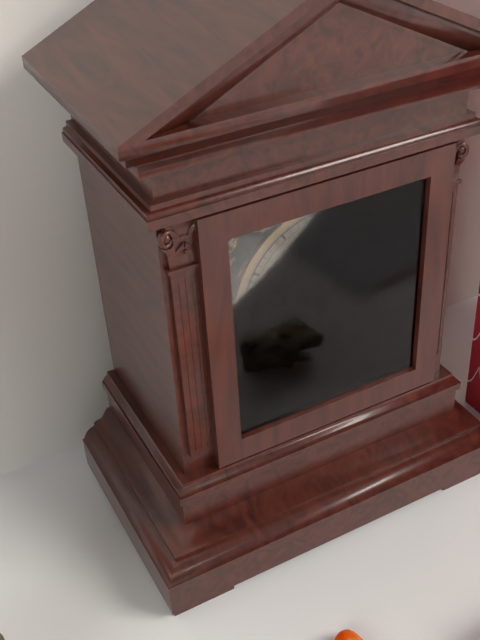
11:00:39
